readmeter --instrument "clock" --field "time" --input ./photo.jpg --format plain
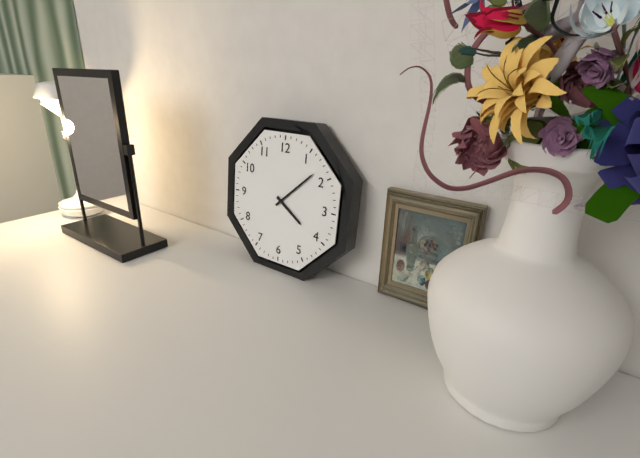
4:08
